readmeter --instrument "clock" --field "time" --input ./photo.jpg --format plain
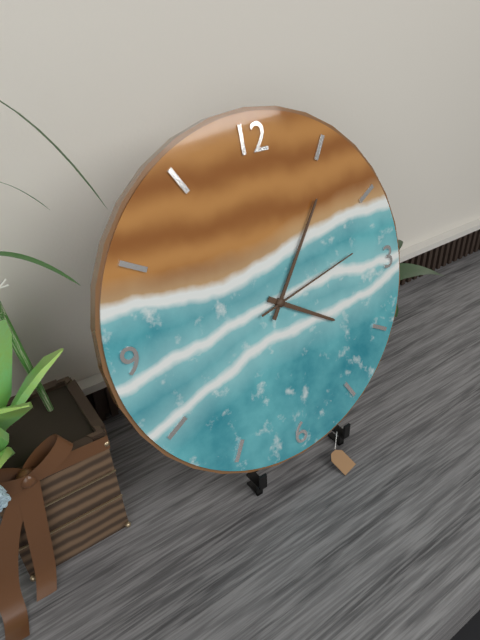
4:06:13
